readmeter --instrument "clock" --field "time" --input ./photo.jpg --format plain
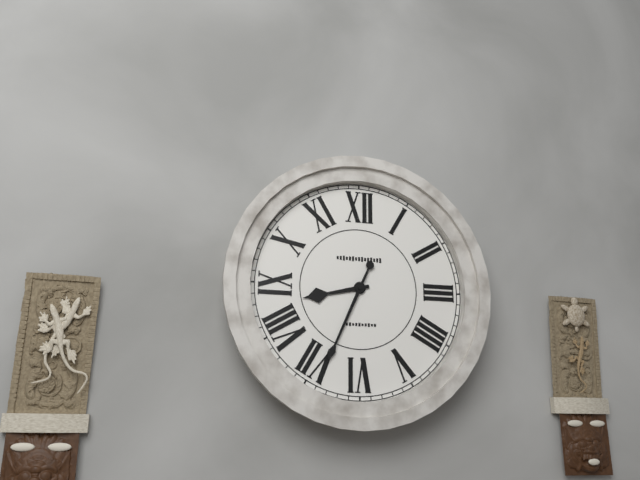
8:34
